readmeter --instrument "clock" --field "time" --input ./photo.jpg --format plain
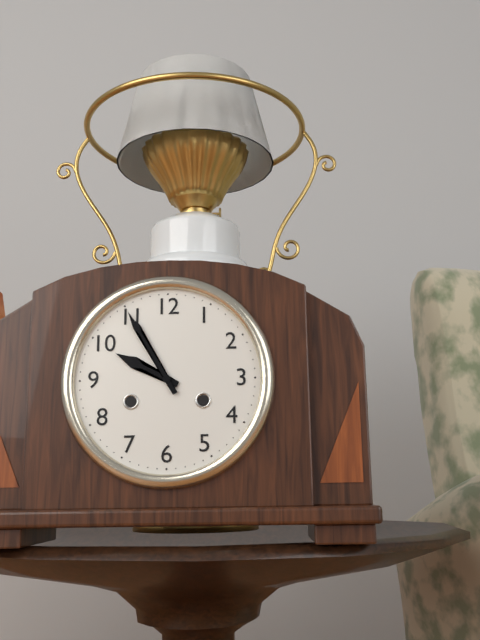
9:55
